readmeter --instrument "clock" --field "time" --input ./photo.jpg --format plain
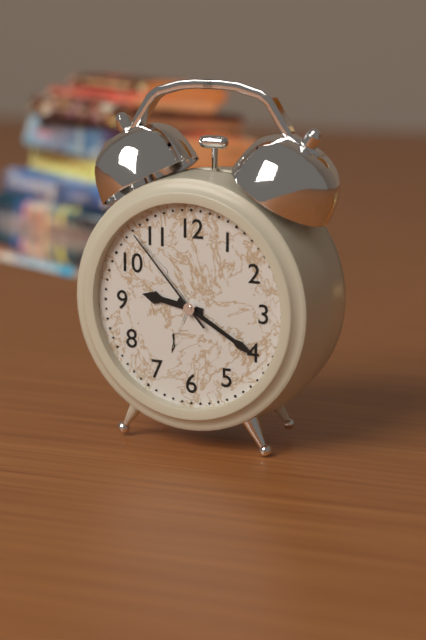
9:20:53
